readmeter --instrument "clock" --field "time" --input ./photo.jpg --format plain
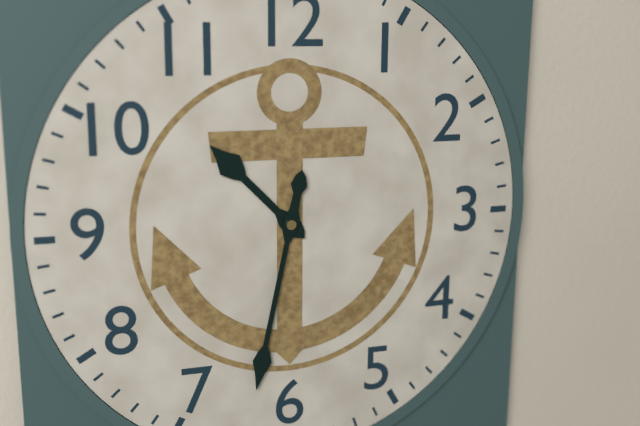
10:32
